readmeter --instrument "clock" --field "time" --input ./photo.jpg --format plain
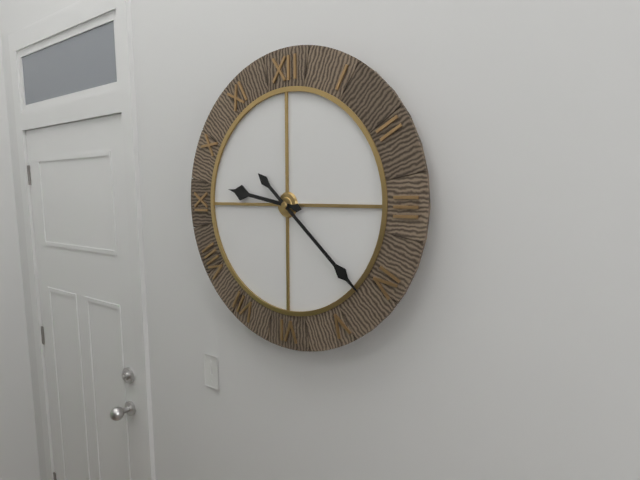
9:22
